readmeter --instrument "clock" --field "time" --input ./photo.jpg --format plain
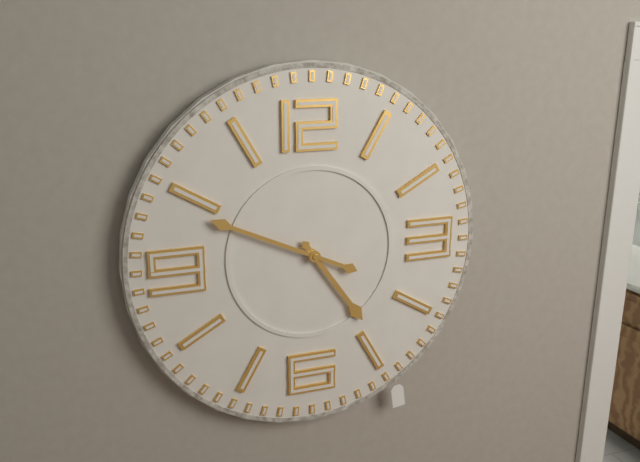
4:49
